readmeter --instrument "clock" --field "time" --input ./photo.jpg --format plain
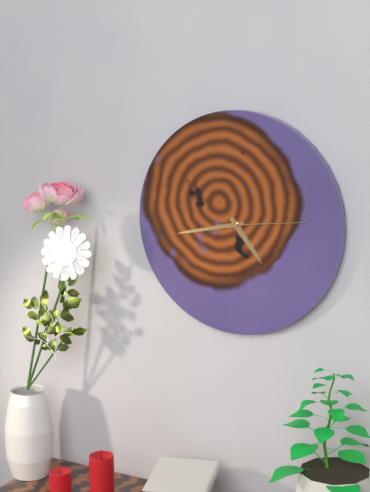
4:43:14
